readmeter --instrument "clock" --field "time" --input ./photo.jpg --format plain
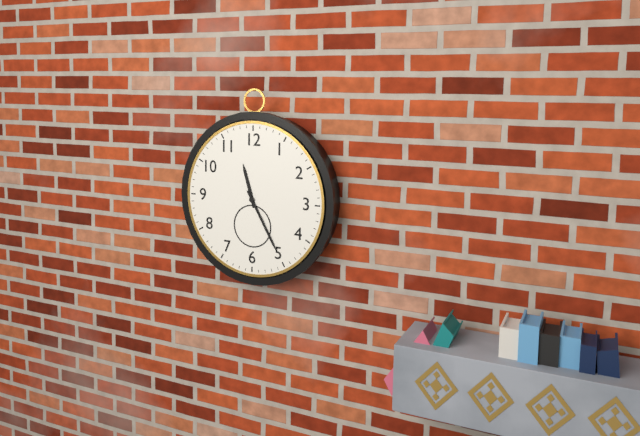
11:25
